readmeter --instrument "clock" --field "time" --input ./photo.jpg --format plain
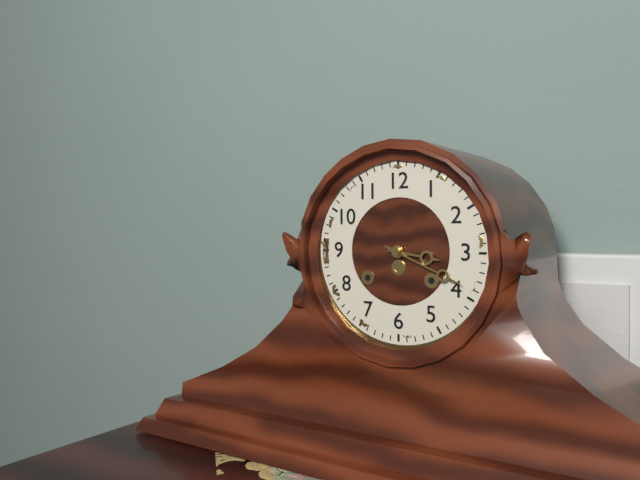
3:19
